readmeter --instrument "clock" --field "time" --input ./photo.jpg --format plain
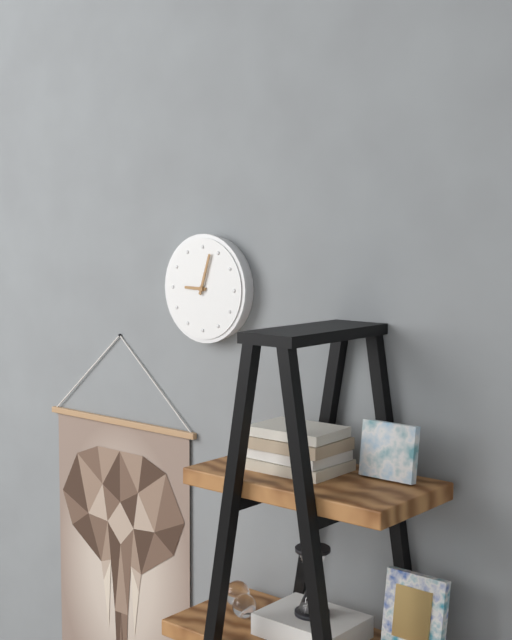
9:03
